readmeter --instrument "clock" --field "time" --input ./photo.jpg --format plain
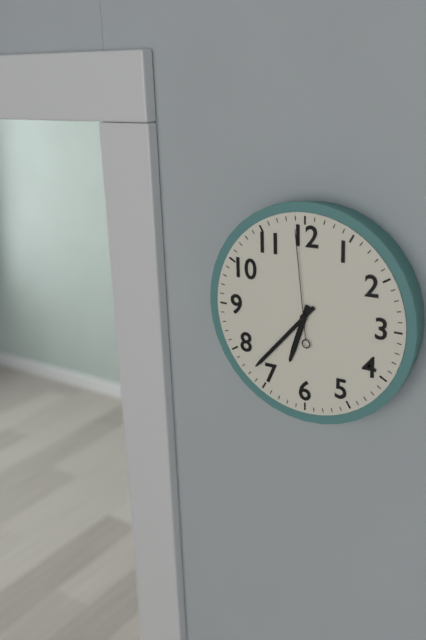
6:37:59
